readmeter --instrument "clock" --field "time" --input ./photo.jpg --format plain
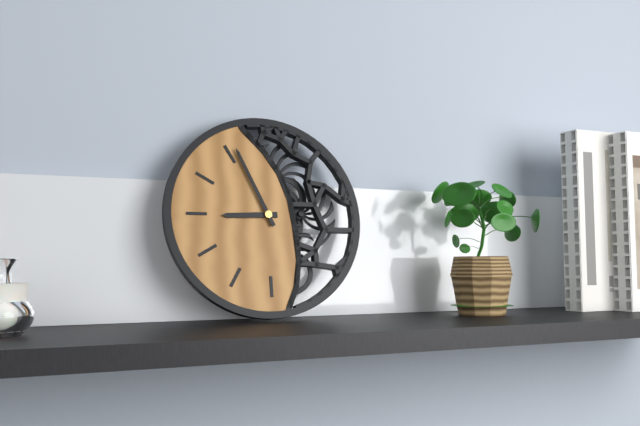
8:56
